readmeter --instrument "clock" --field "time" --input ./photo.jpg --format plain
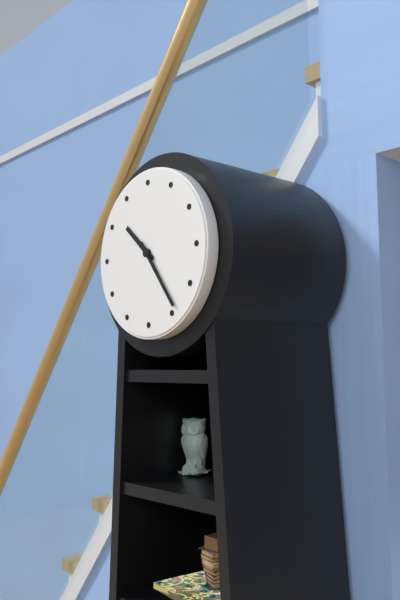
10:24
